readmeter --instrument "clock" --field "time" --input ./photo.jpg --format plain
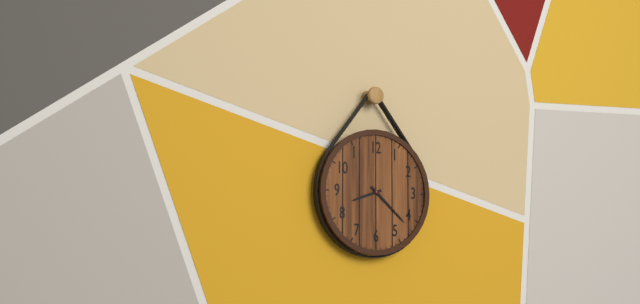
8:22
